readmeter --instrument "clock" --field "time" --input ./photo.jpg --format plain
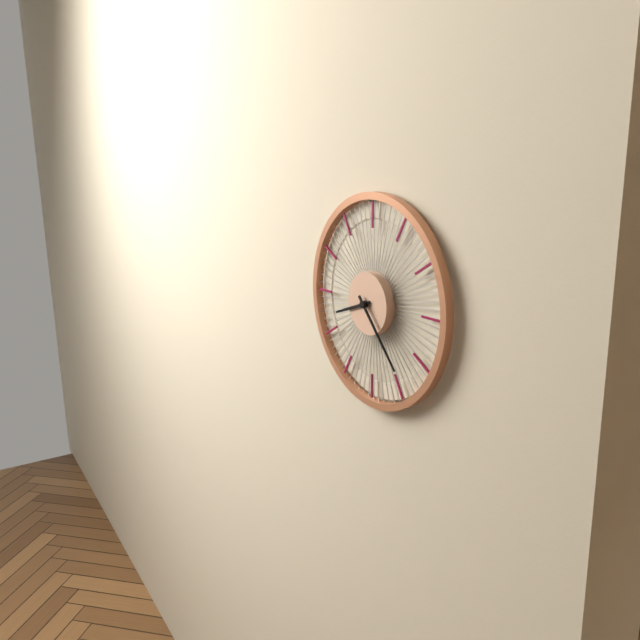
8:23
